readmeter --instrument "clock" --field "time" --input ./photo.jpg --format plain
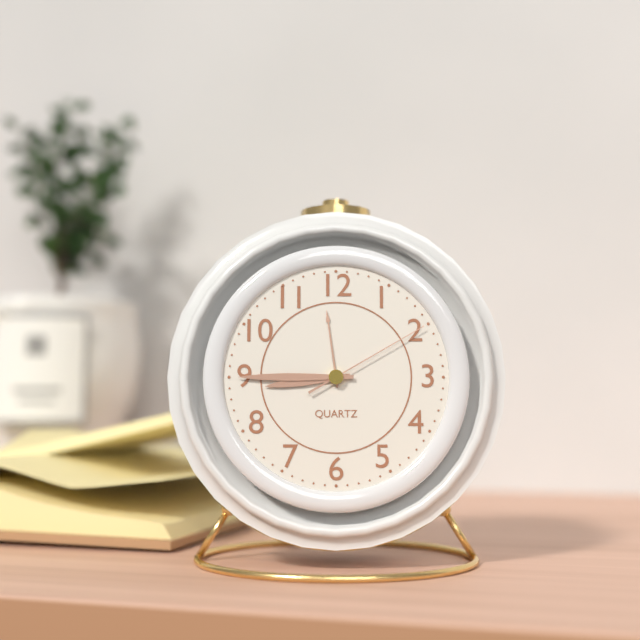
8:45:10
